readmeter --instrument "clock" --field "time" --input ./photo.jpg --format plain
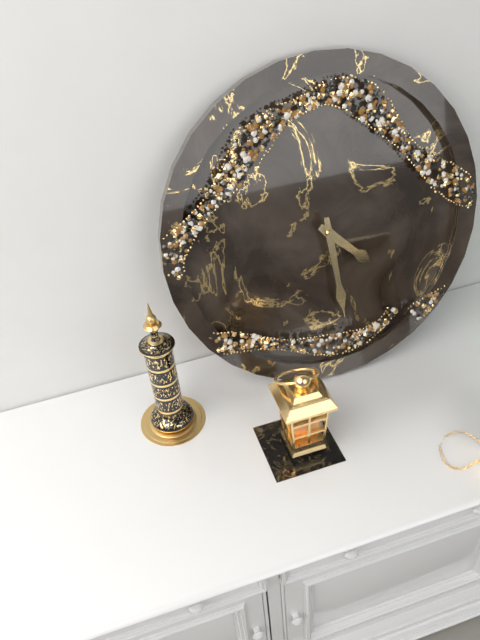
4:29
